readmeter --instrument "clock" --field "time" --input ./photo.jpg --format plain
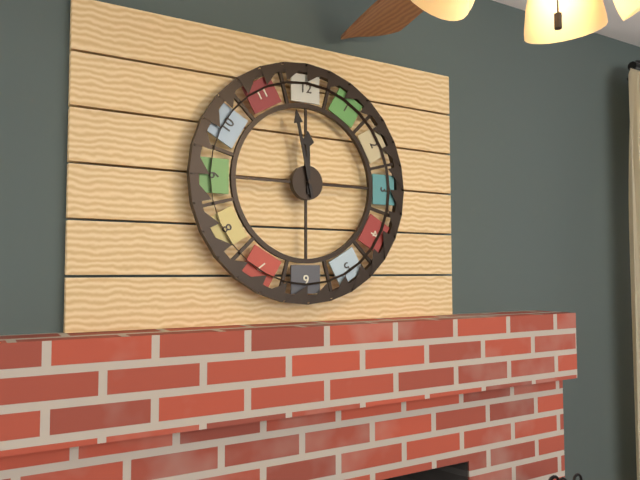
11:58
